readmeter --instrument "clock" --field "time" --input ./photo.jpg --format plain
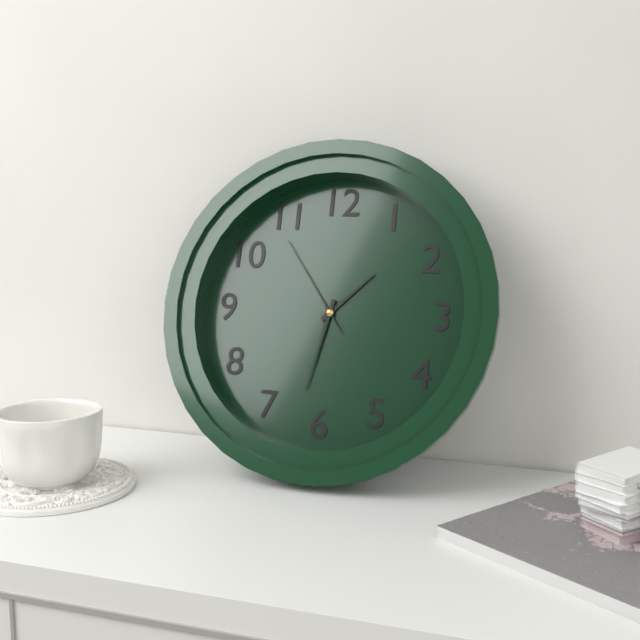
1:32:54
